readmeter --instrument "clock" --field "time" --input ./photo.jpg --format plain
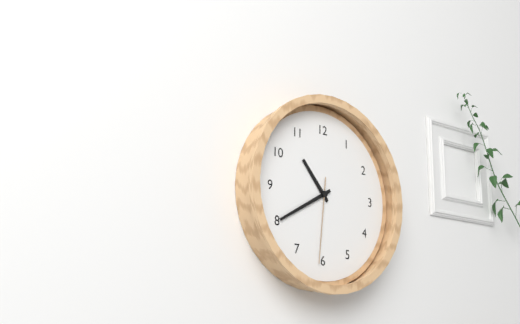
10:40:31
